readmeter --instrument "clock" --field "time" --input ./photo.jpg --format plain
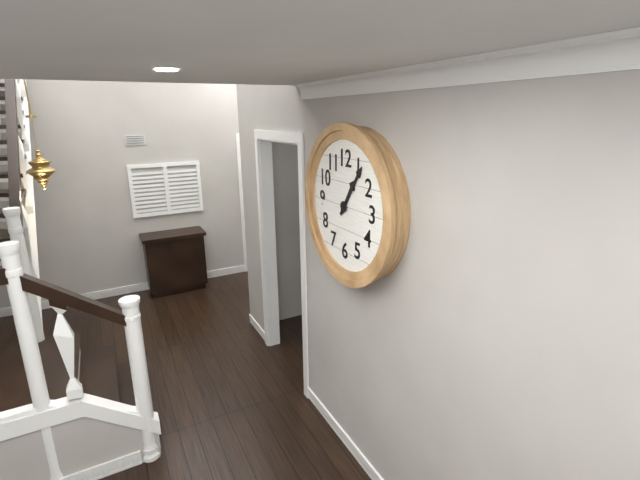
1:06
